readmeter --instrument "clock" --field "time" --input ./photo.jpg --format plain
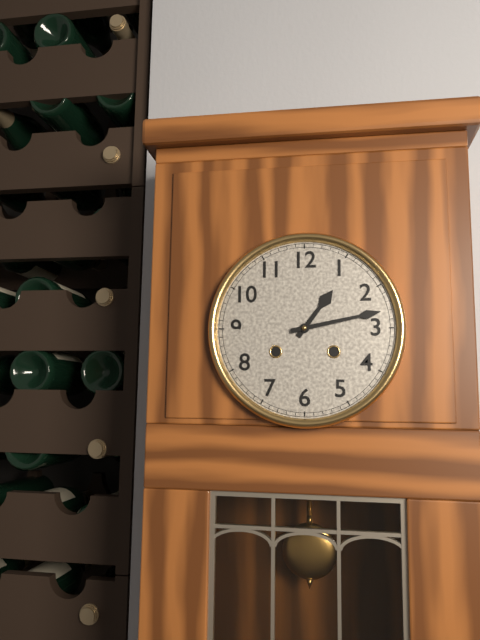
1:13
